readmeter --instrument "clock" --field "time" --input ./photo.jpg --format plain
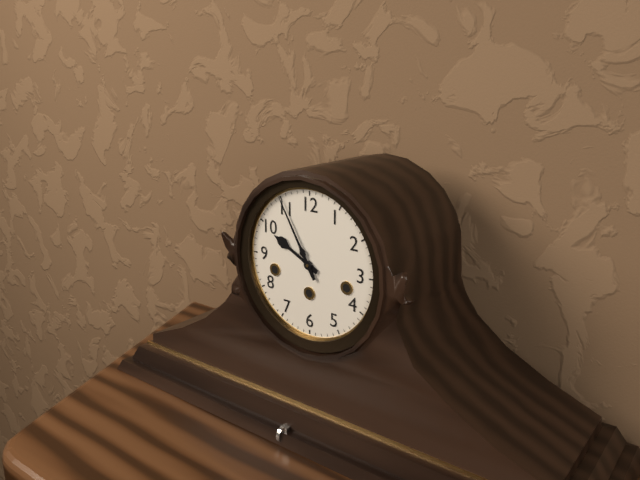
9:55
